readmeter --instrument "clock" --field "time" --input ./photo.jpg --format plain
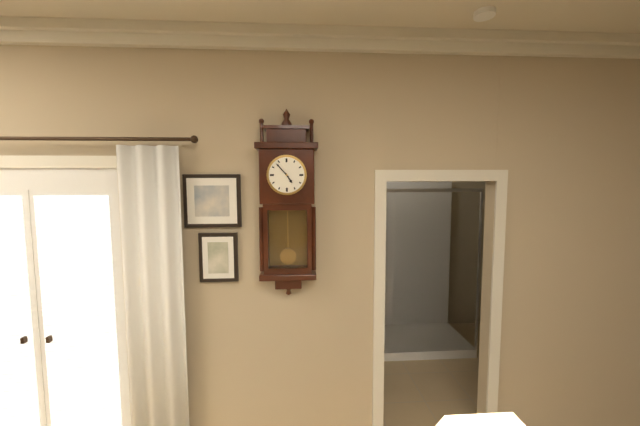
4:53
